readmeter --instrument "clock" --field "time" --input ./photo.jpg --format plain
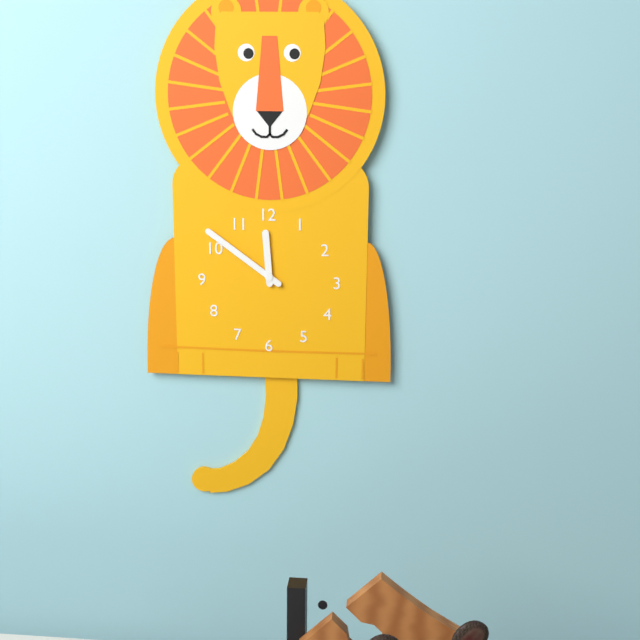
11:51
